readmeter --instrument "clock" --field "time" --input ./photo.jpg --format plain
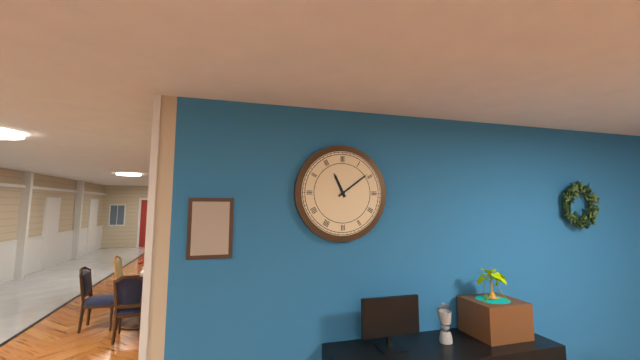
11:09
